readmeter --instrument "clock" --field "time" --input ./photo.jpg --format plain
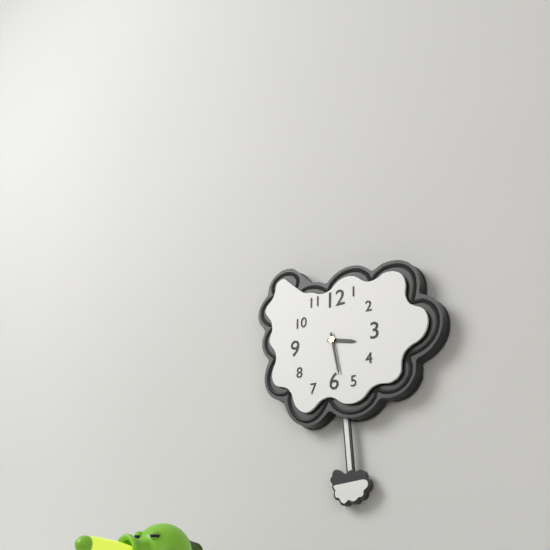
3:28
